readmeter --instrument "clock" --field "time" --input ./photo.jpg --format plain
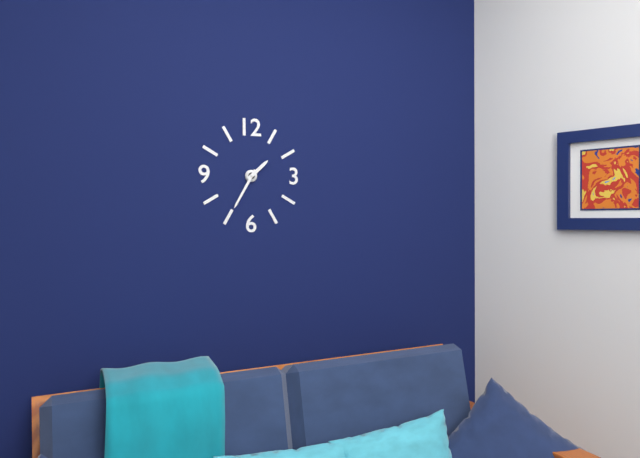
1:35
